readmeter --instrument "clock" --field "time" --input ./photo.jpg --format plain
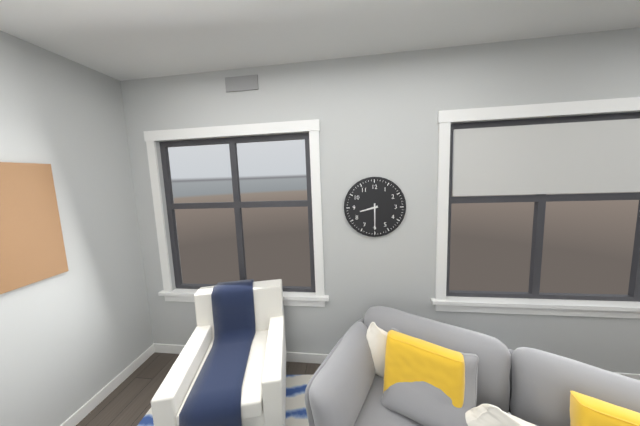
8:30
